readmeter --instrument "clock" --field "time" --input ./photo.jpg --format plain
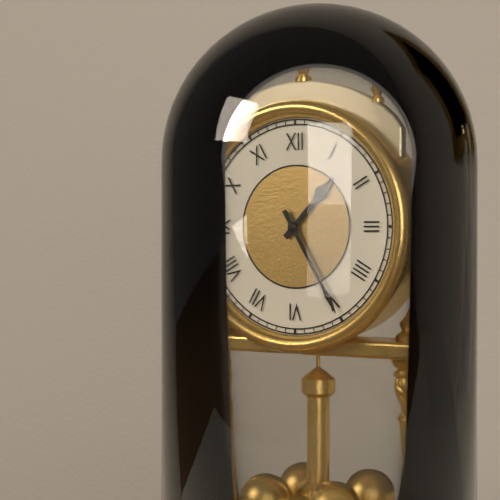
1:25
